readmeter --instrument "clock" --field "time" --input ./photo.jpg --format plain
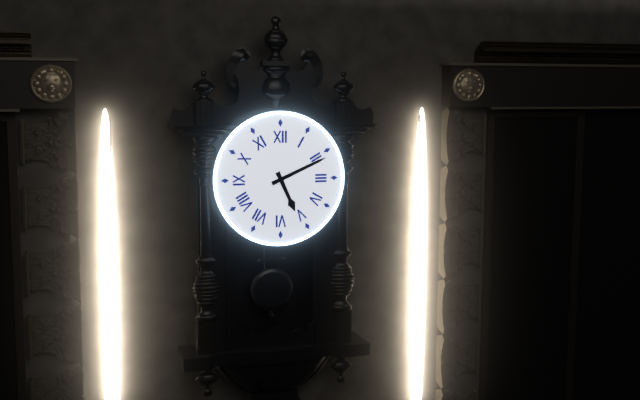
5:11
